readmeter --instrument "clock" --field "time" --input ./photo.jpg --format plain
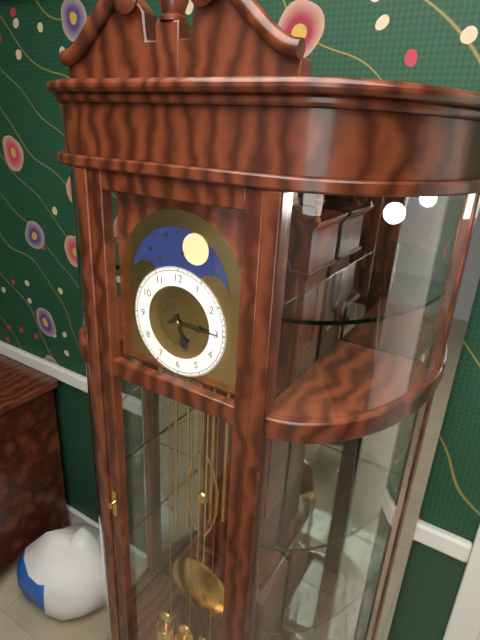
5:15
